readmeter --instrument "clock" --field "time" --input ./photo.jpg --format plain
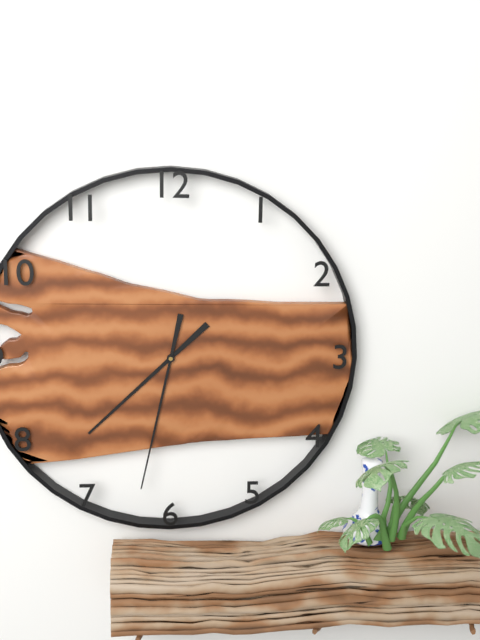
7:32
